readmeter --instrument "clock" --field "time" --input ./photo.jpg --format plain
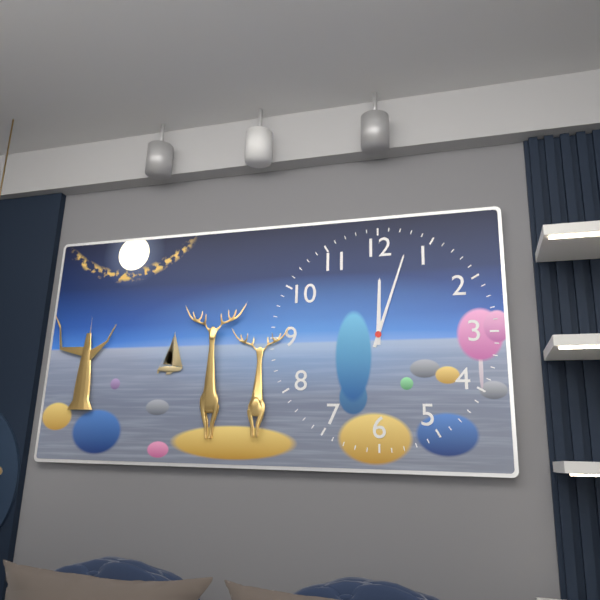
12:03
